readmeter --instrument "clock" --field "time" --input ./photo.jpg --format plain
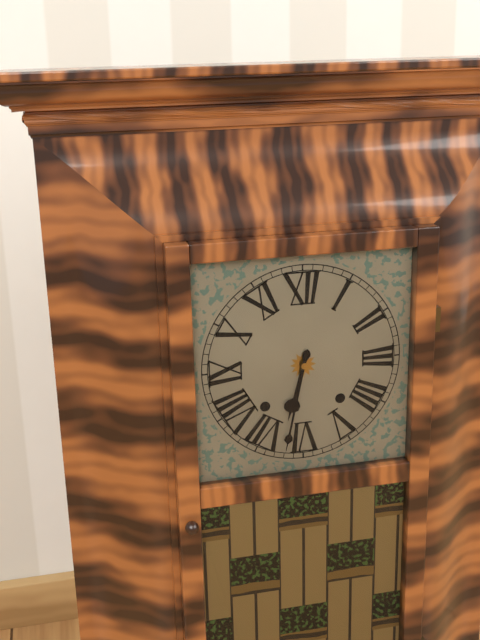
6:32
